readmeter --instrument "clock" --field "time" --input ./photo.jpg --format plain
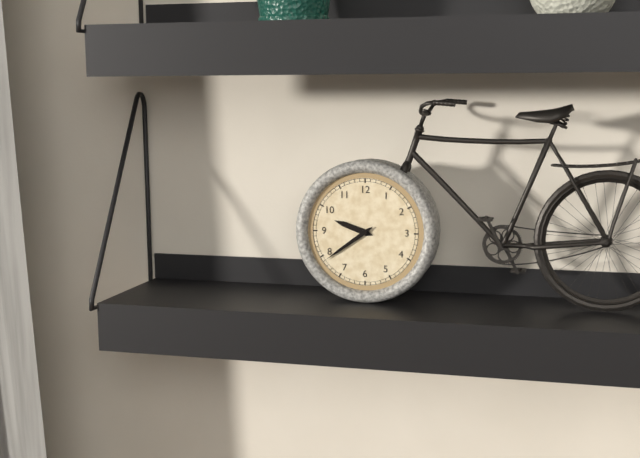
9:39
